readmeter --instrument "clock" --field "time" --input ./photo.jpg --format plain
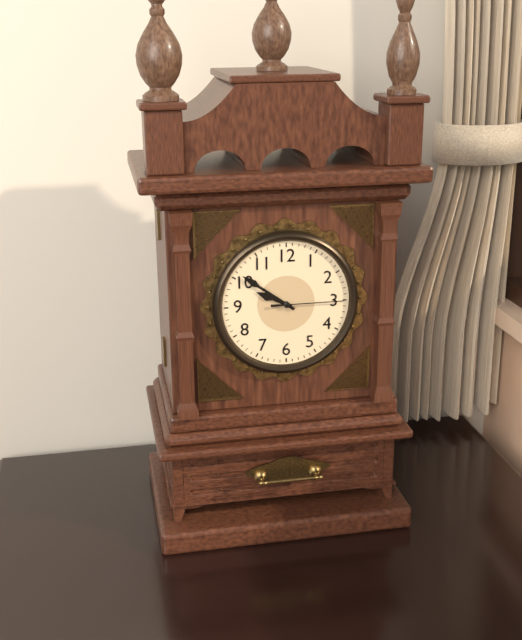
9:51:15
